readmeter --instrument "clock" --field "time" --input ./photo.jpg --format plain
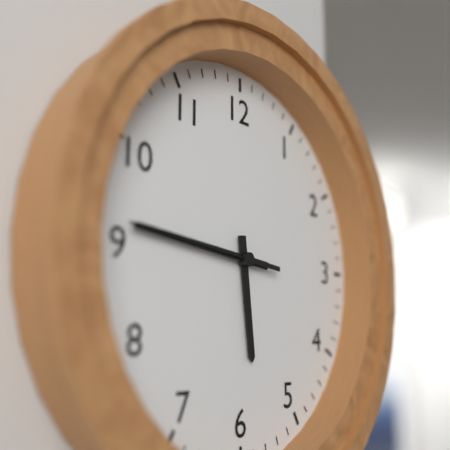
5:46:46
